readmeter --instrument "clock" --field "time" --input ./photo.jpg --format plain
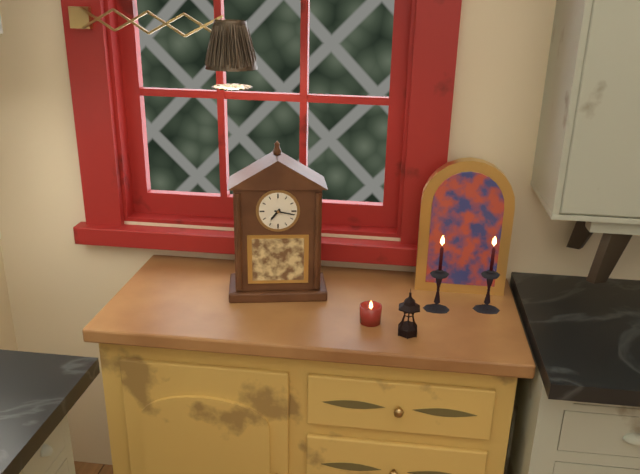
7:17
